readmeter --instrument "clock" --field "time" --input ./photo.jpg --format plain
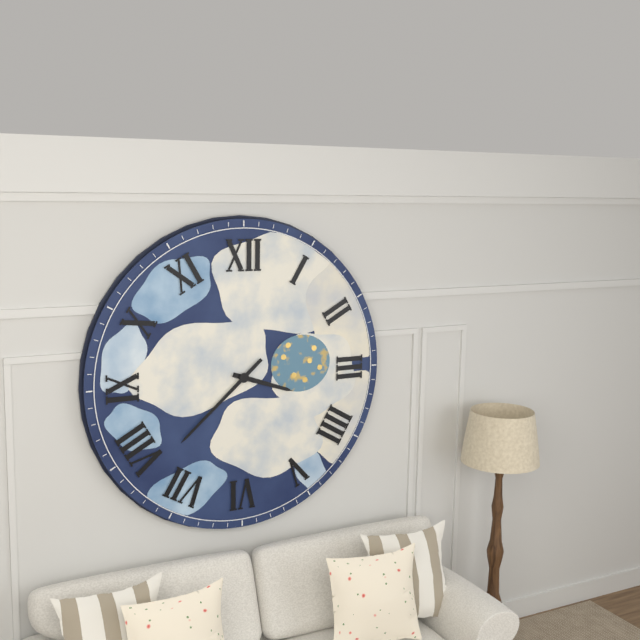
3:38
